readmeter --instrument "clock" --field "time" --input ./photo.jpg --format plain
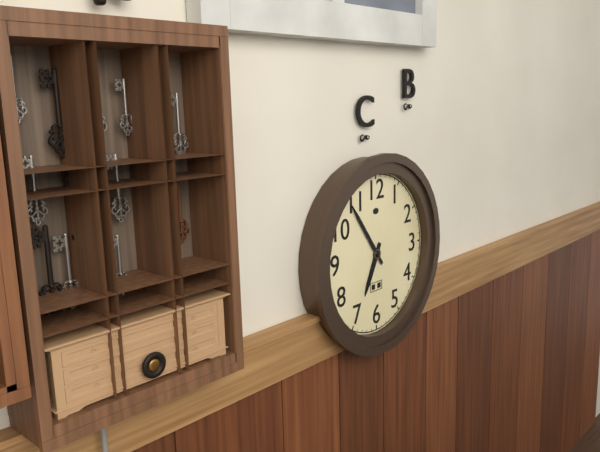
6:54
